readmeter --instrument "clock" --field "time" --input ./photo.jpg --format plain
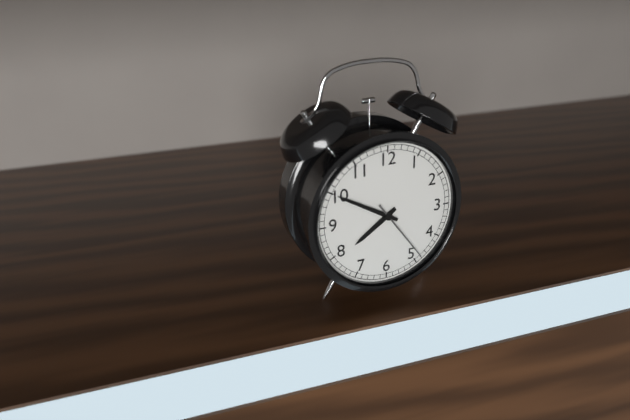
7:50:24
